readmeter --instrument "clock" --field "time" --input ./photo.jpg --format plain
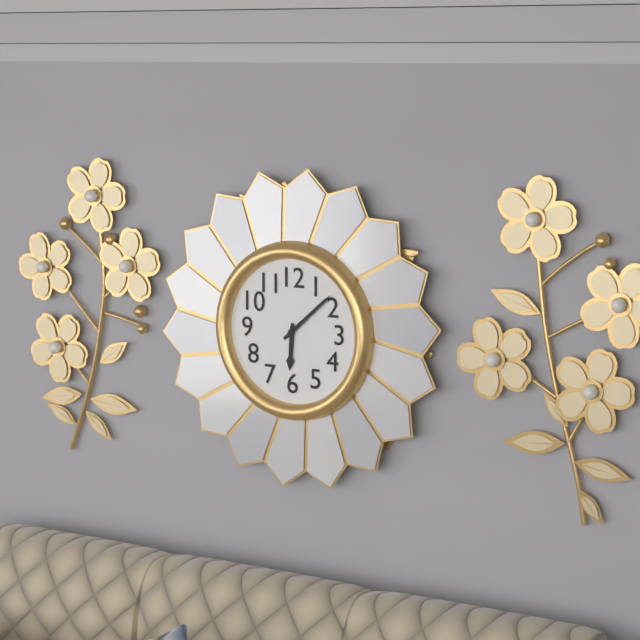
6:08
